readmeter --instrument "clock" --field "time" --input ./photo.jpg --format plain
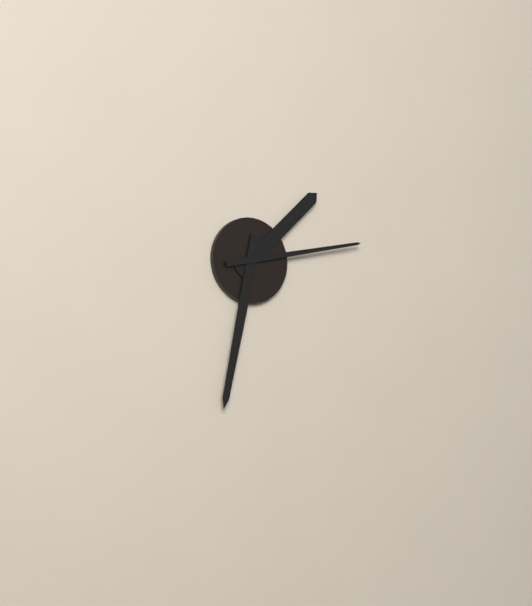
1:32:13
